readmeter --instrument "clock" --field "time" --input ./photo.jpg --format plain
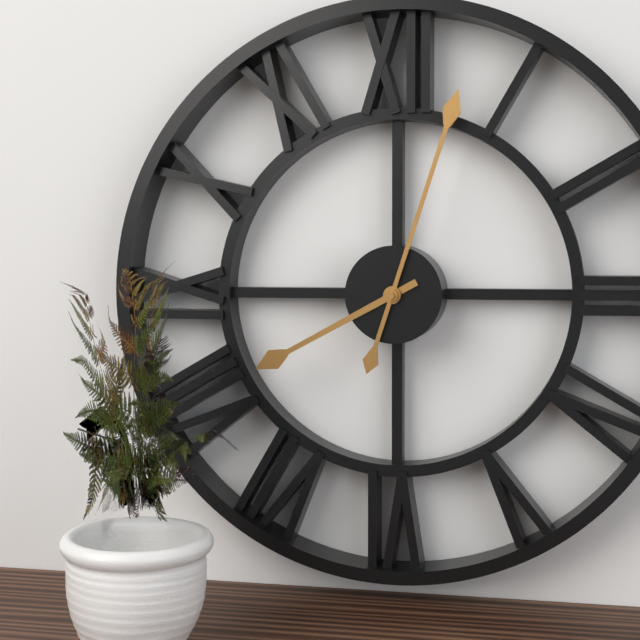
8:03
